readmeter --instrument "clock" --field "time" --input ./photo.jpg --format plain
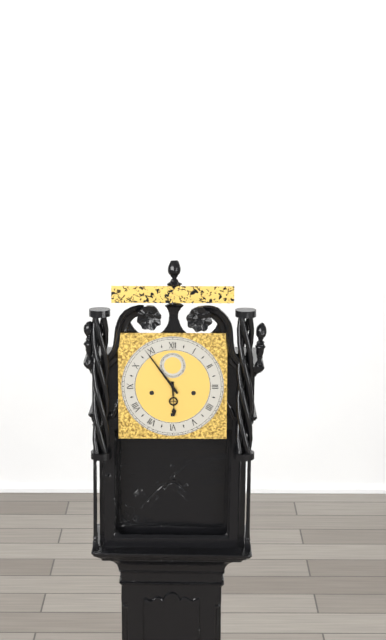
5:54
